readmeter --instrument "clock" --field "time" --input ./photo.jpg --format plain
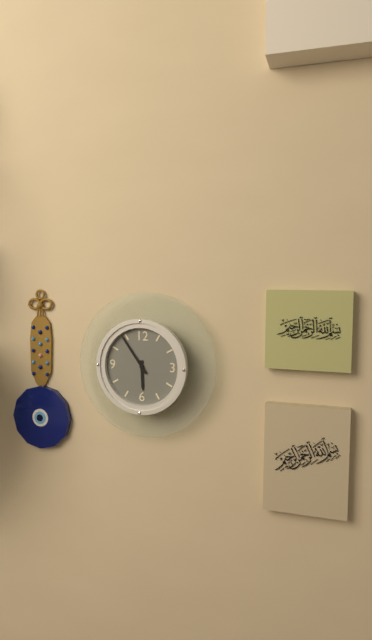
5:54
